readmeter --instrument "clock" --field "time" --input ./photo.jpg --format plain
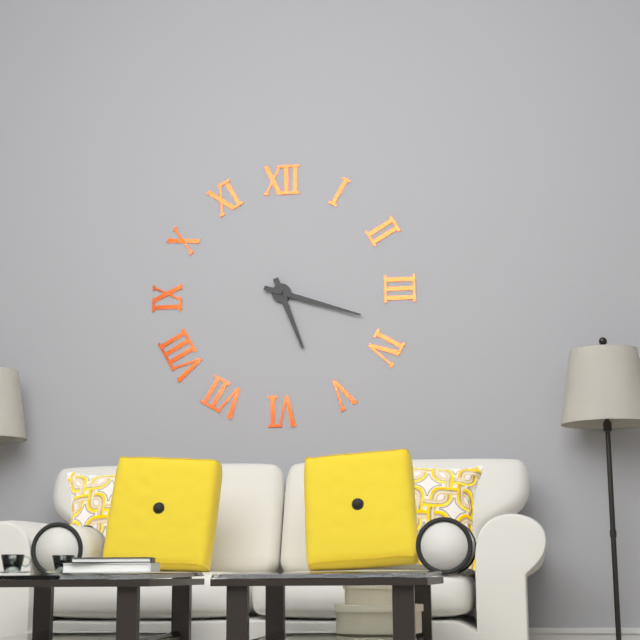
5:18
